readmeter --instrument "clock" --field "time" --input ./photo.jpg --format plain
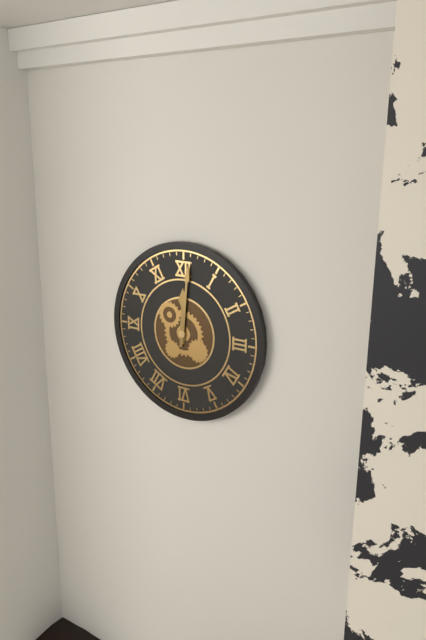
12:01
